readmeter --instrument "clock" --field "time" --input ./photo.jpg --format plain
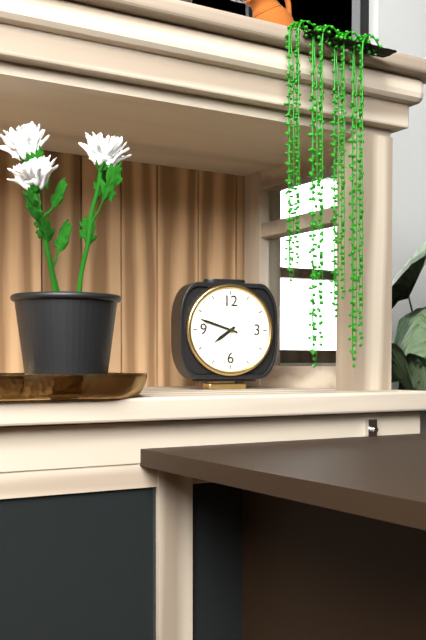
7:48
